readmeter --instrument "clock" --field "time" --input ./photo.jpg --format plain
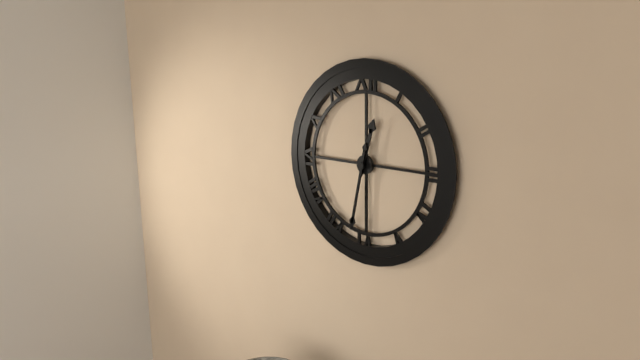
12:32
